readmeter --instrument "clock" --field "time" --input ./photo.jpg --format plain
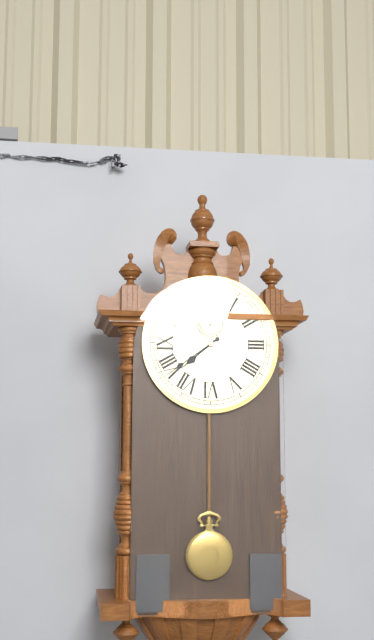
7:39
